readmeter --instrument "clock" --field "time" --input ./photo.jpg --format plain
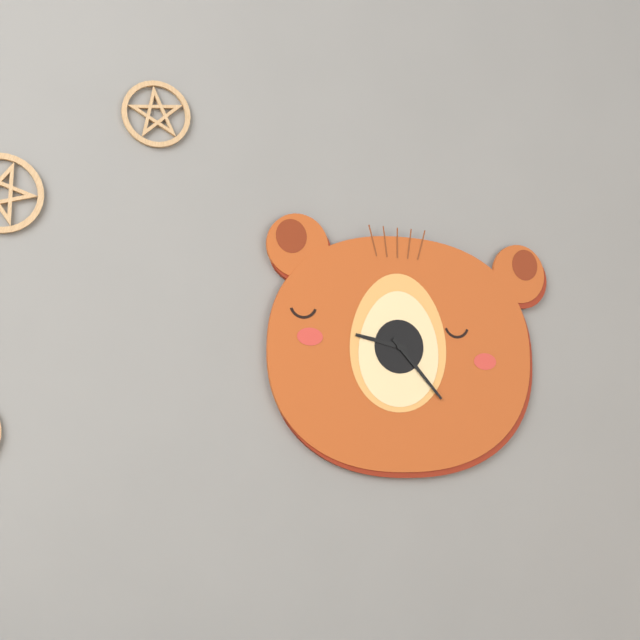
9:23
